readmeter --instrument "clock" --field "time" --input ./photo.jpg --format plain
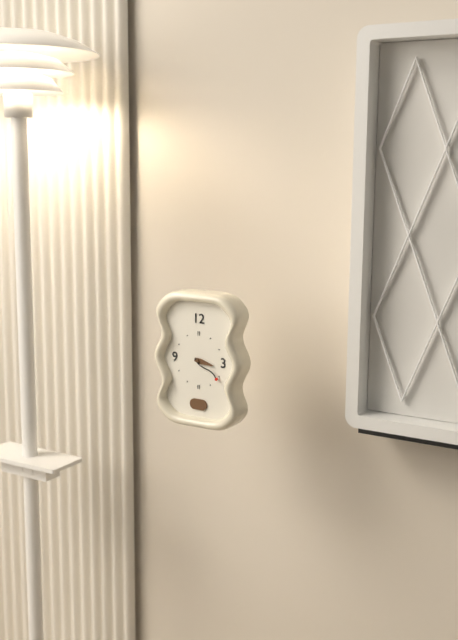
3:21
